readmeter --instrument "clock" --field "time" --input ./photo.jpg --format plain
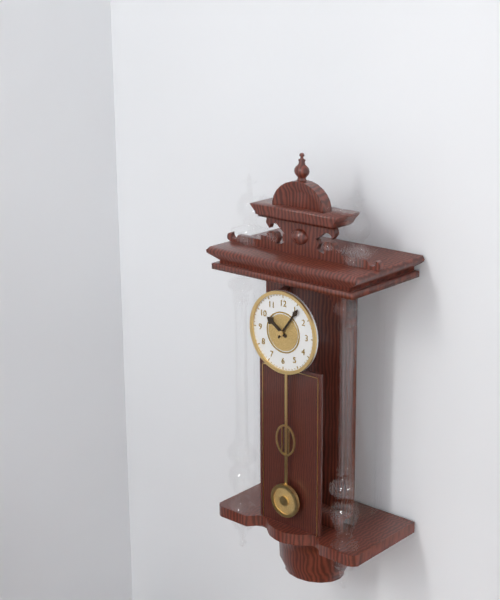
10:06
